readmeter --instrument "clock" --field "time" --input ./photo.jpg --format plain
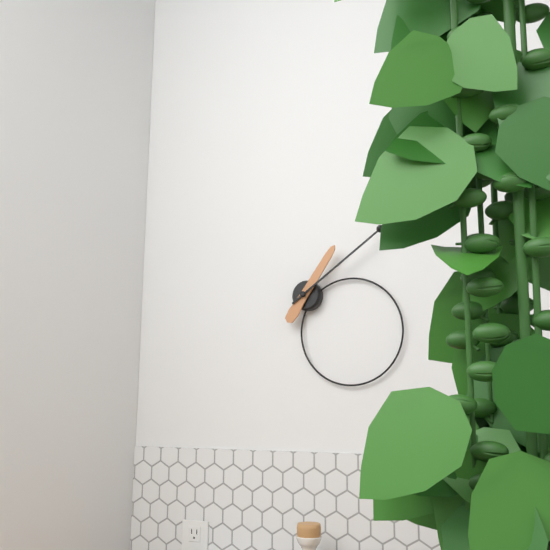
1:09
